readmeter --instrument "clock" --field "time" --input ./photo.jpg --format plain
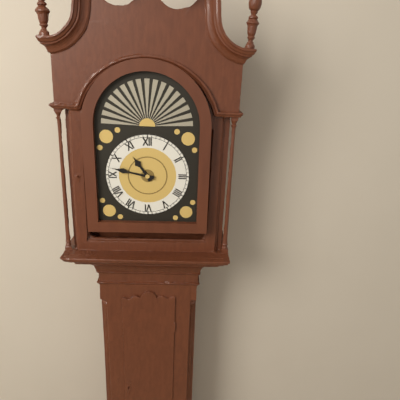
10:47
